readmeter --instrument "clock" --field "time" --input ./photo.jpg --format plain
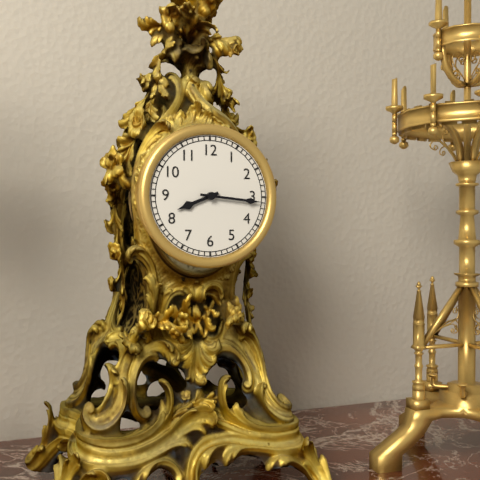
8:16
